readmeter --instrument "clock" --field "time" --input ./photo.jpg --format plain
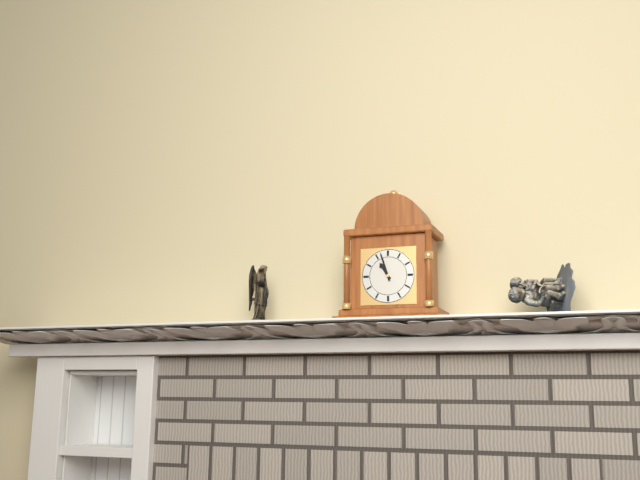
10:57
